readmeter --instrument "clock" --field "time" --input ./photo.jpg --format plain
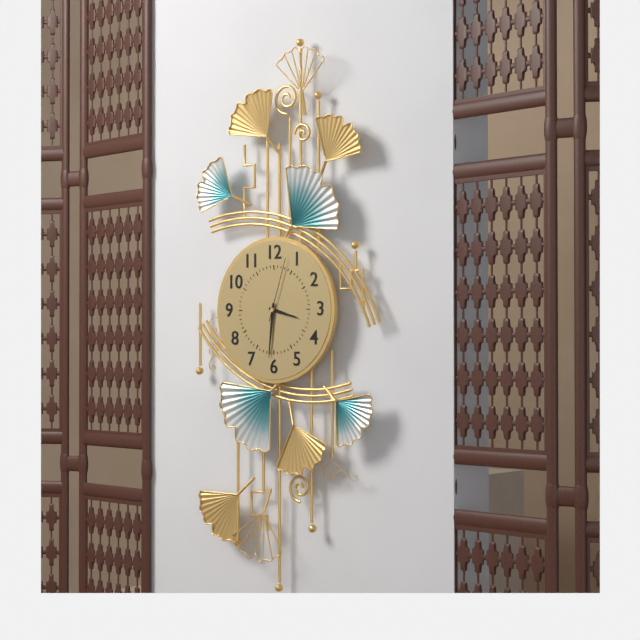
3:31:03
